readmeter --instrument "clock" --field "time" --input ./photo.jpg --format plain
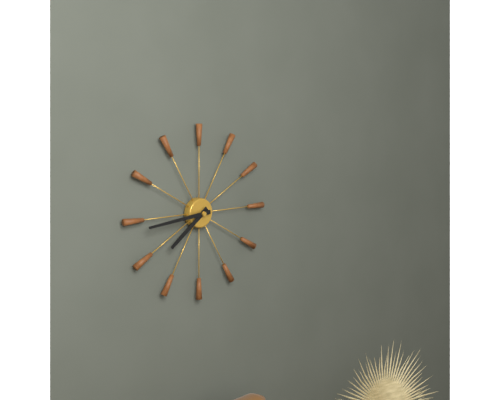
7:44
